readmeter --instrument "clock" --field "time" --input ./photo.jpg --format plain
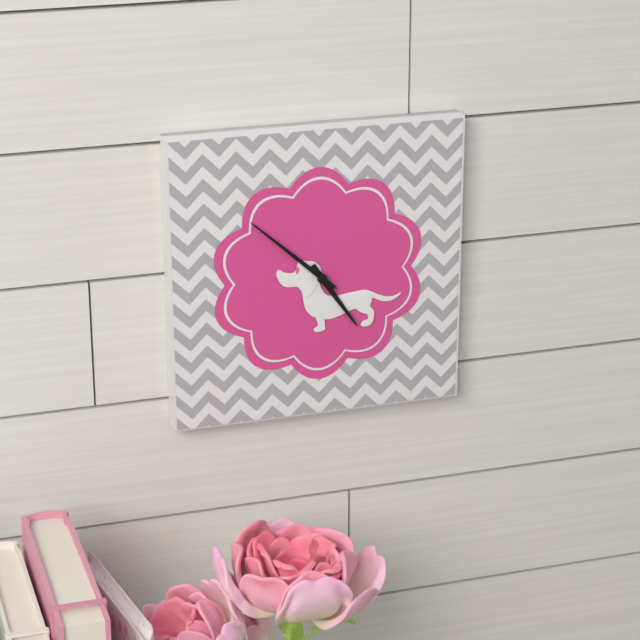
4:52
